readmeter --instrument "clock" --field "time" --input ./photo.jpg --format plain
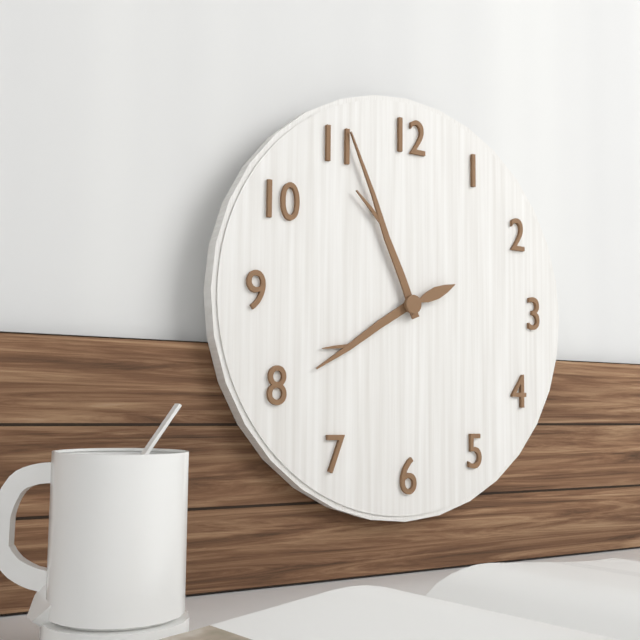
7:56:11
